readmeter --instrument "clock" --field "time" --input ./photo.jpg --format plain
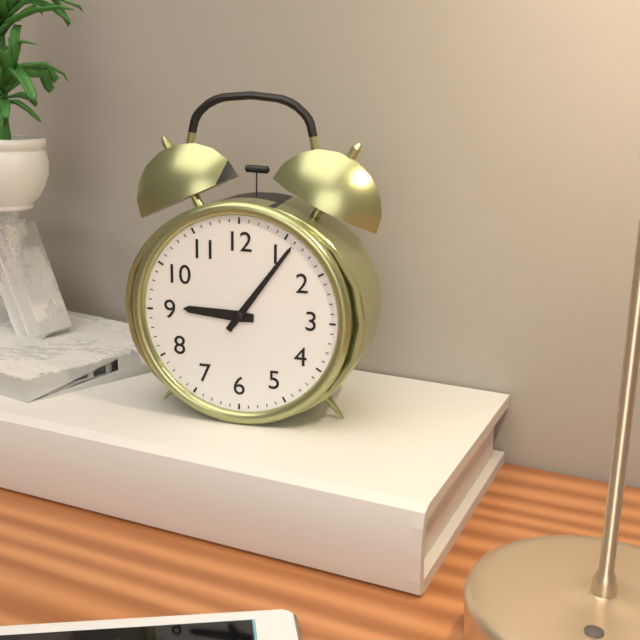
9:06
